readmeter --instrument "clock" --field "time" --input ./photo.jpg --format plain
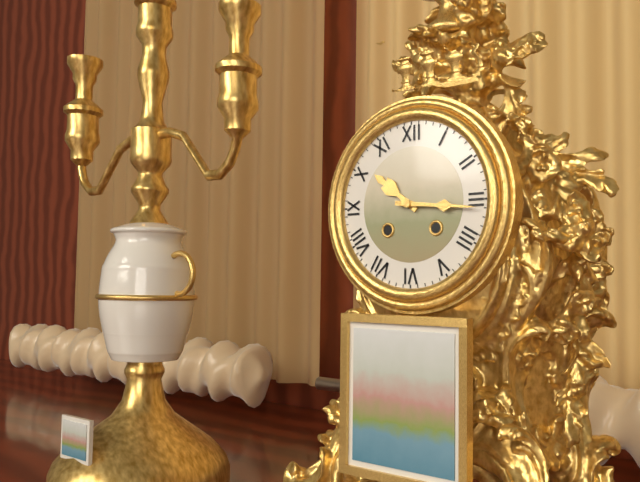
10:16
